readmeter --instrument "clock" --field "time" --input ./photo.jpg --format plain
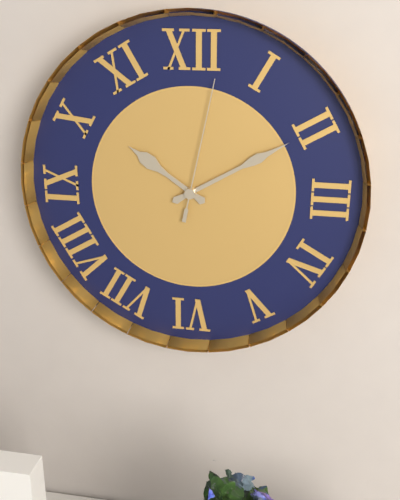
10:10:02
